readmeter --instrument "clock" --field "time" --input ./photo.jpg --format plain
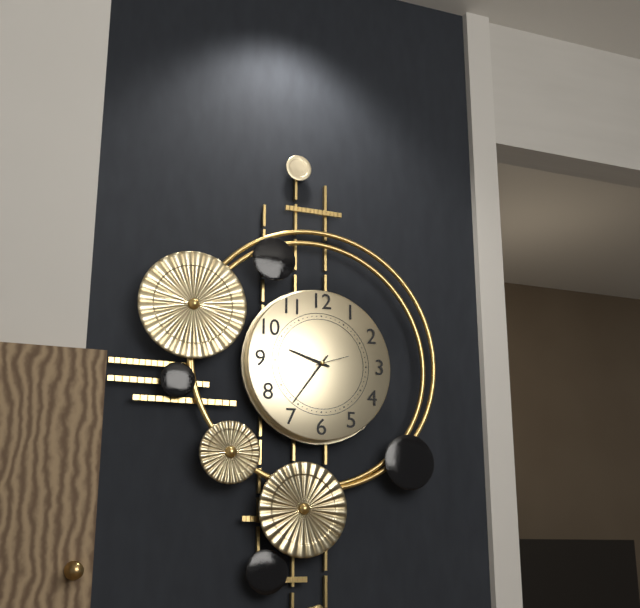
9:36
